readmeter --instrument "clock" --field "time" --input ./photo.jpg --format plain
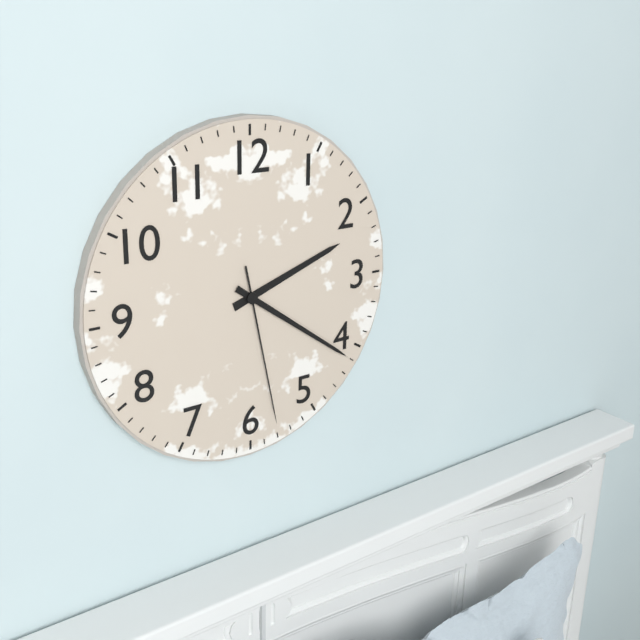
2:21:28
